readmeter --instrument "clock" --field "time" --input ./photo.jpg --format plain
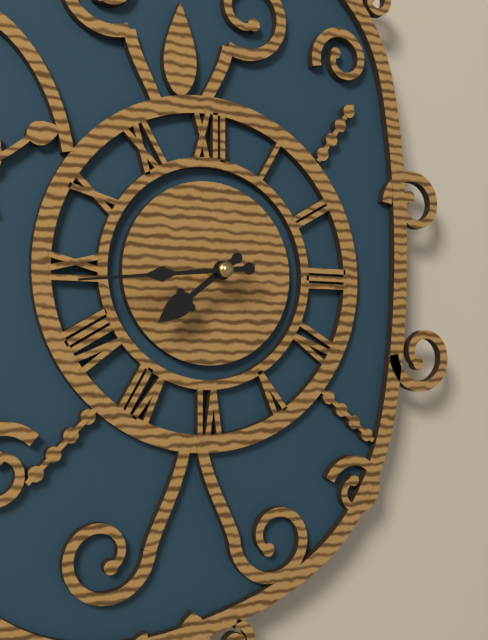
7:44
